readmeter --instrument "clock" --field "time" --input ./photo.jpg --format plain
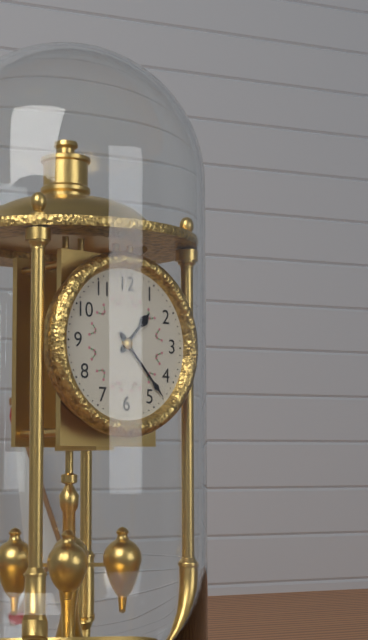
1:23
